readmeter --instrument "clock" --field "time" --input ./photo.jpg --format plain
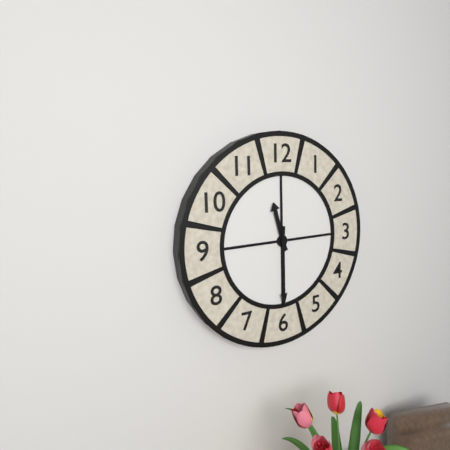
11:30
